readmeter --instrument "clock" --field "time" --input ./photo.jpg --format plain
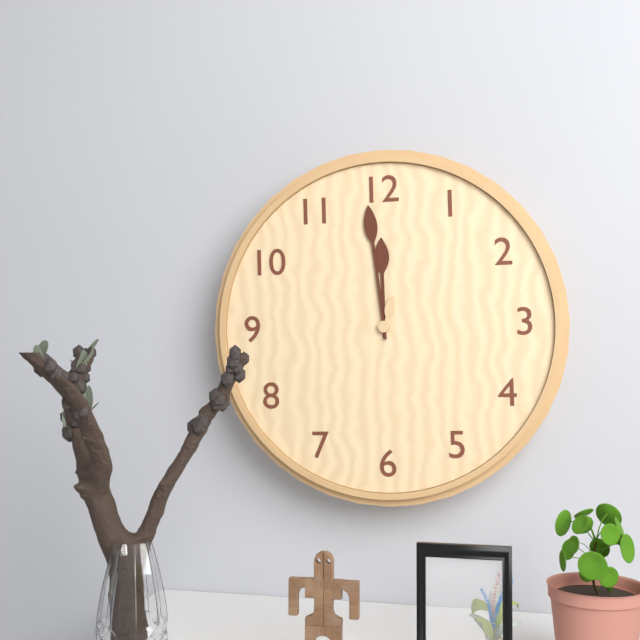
11:59
